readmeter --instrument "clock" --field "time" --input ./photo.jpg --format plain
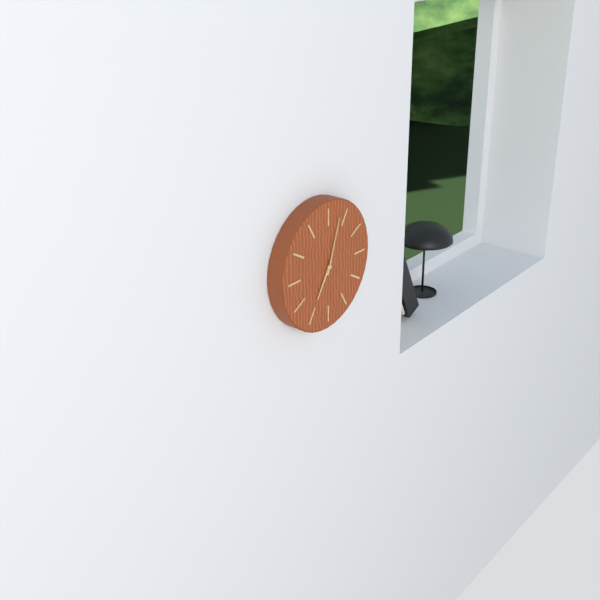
7:03
